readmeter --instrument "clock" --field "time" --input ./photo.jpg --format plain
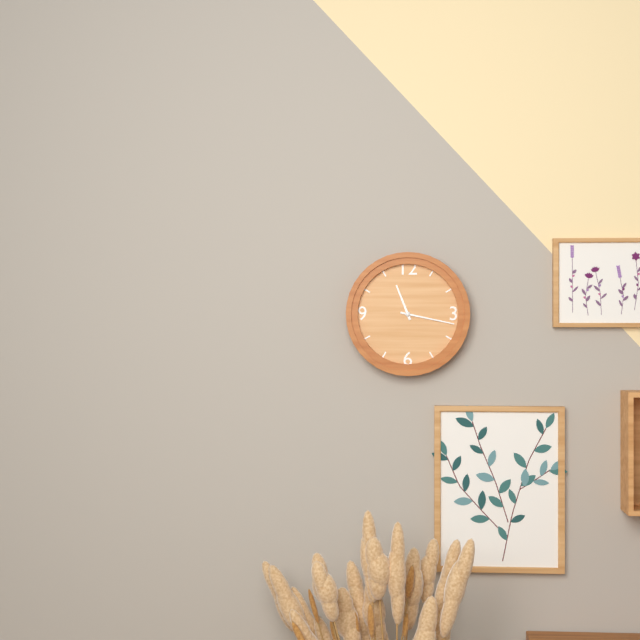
11:17
